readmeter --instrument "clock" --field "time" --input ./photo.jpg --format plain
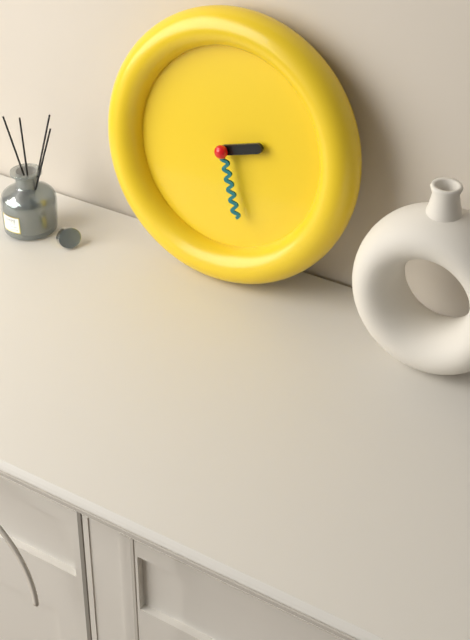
2:27
